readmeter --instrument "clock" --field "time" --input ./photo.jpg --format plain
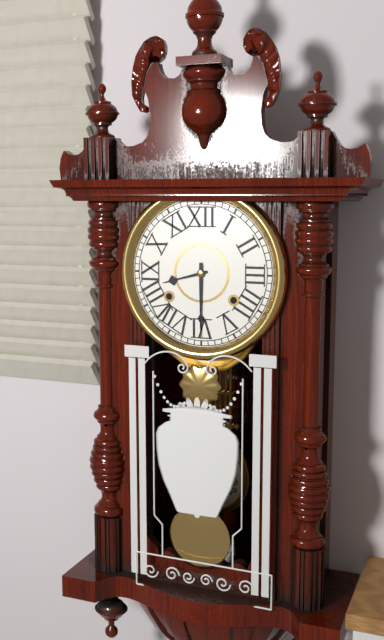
8:30
